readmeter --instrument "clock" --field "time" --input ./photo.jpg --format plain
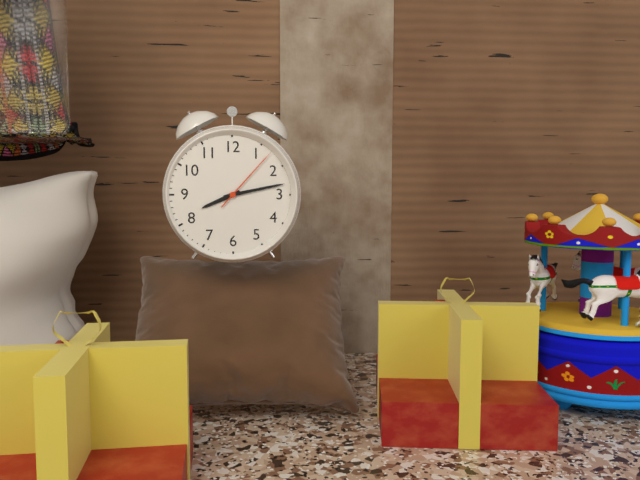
8:13:07
